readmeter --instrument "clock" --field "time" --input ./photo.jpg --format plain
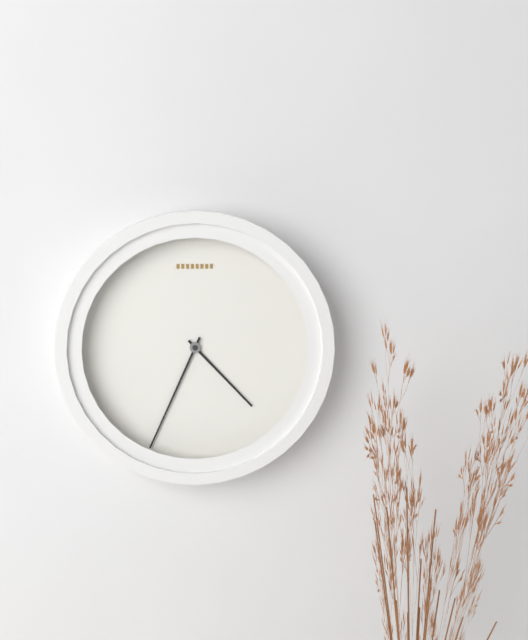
4:34
